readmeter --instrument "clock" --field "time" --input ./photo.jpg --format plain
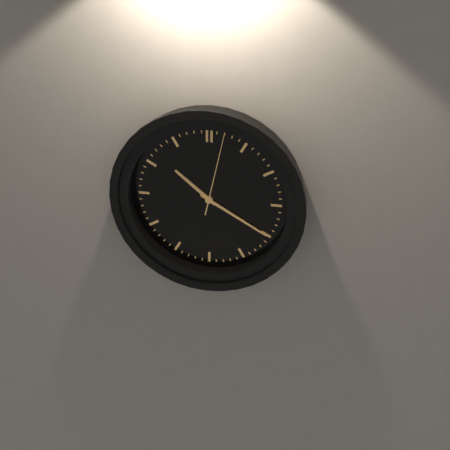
10:20:02
